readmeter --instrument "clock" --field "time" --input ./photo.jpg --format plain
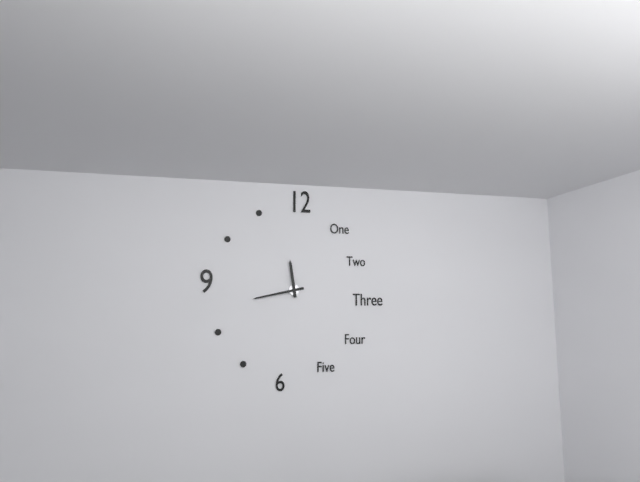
11:43
